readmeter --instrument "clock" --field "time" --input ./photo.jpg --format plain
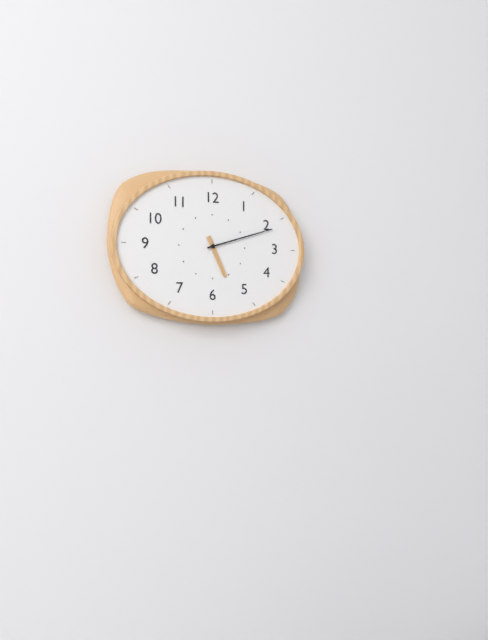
5:12
